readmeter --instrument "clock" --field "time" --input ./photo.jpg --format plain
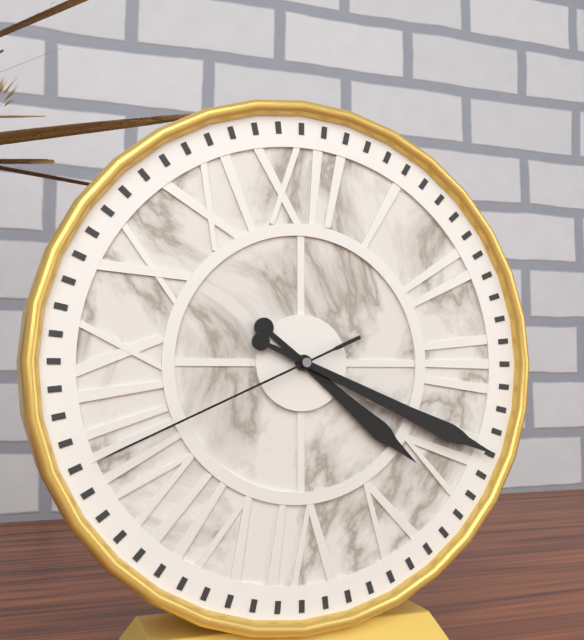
4:19:41
